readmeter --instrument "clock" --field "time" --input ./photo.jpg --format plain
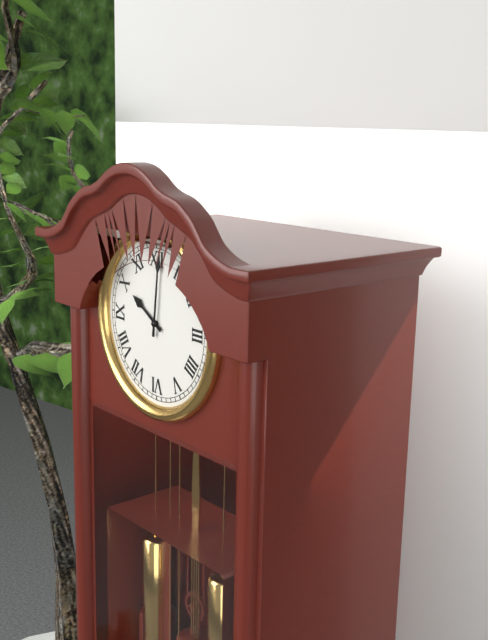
10:01
